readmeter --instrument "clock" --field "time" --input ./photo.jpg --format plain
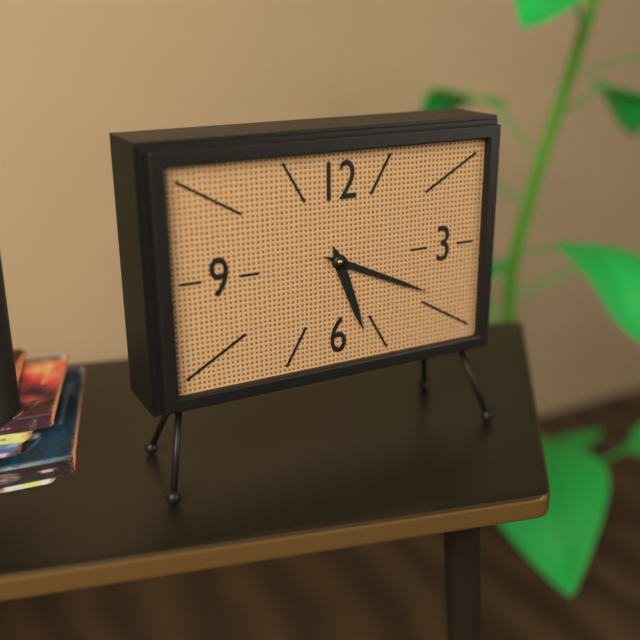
5:19
